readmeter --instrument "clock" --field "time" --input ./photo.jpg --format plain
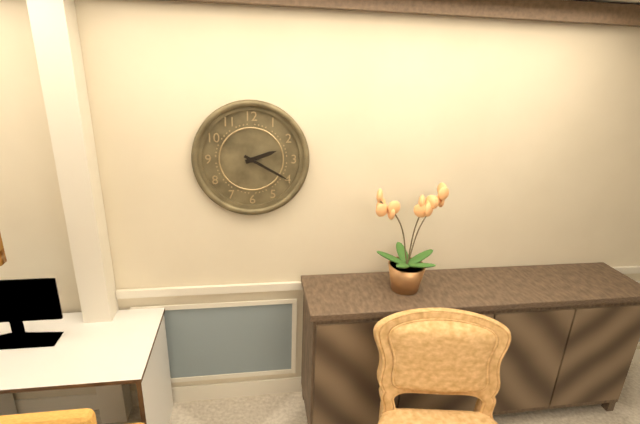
2:20
